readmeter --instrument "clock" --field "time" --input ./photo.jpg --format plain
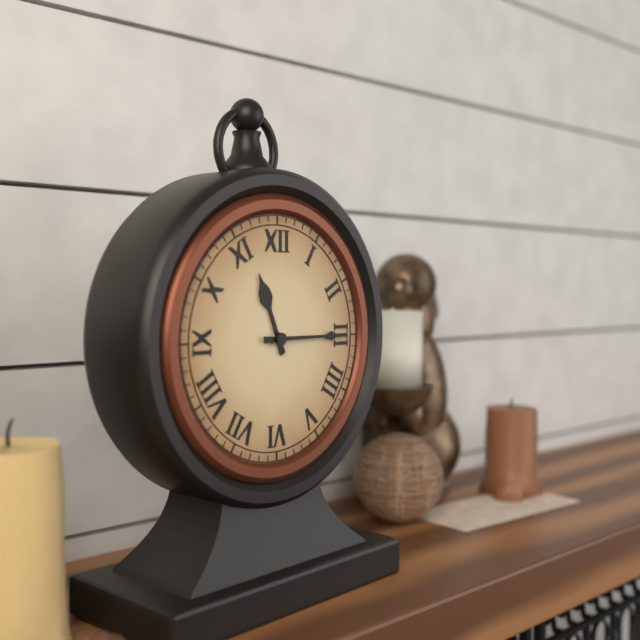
11:15
